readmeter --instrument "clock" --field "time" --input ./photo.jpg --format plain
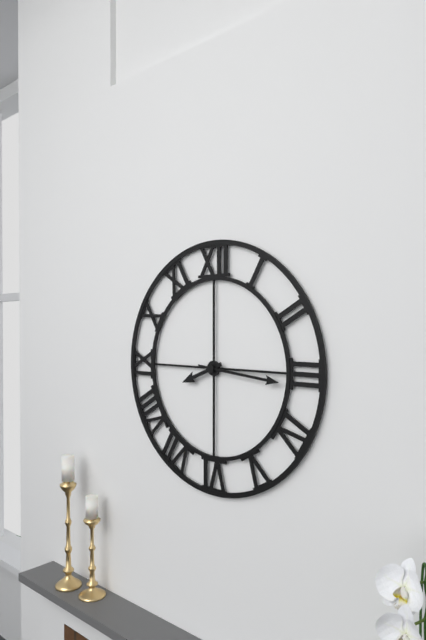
8:16
